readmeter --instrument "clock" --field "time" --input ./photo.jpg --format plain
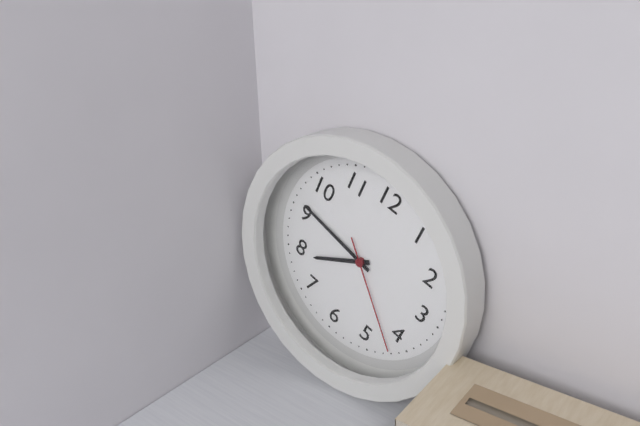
7:46:22
